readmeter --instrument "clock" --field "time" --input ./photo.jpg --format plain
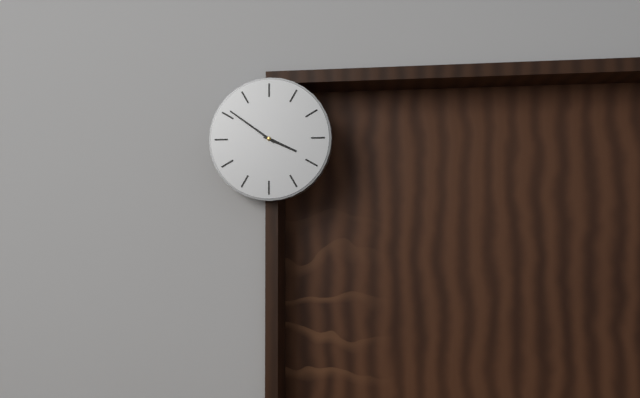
3:51
